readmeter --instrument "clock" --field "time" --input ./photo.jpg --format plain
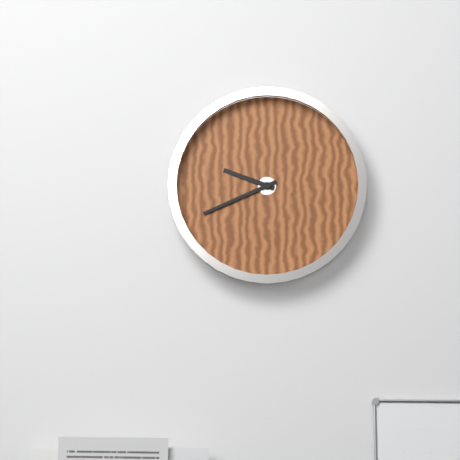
9:41
